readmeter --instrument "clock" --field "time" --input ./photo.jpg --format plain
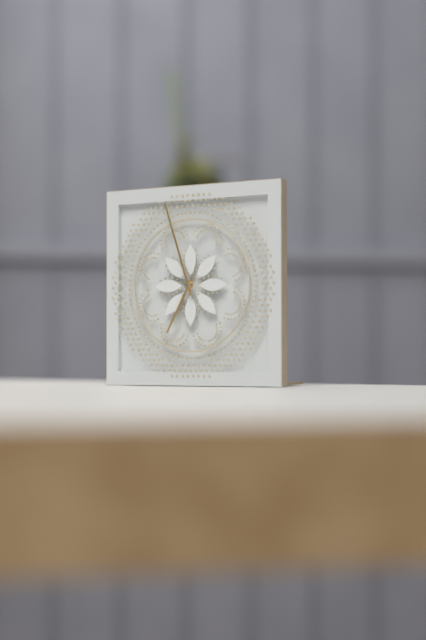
6:57
